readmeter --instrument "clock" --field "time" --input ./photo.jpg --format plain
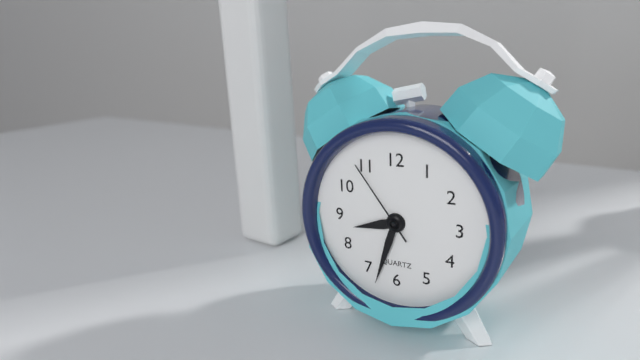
8:33:54
